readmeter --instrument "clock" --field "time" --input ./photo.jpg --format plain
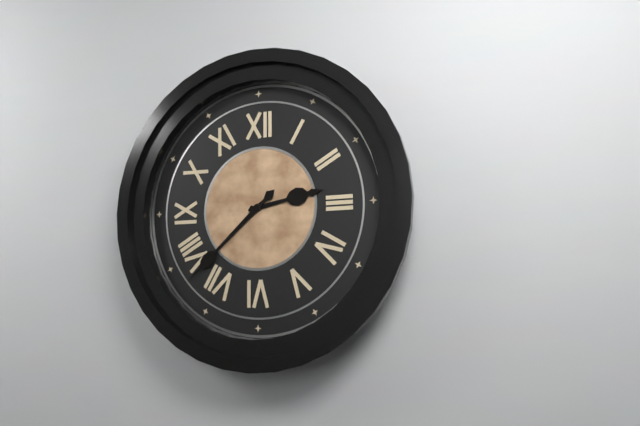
2:38
